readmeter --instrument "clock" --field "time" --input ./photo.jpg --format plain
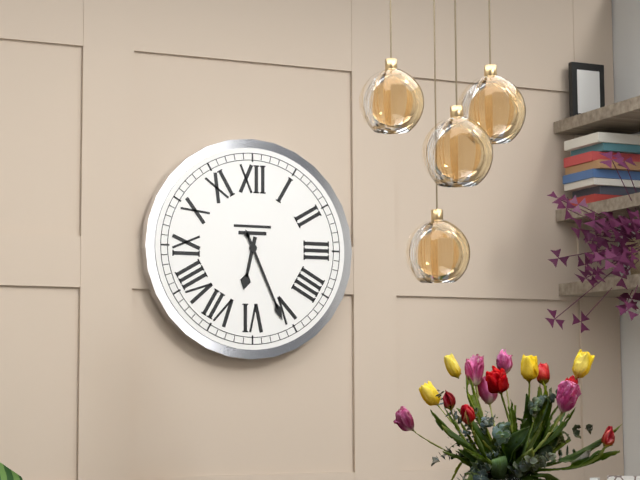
6:26
